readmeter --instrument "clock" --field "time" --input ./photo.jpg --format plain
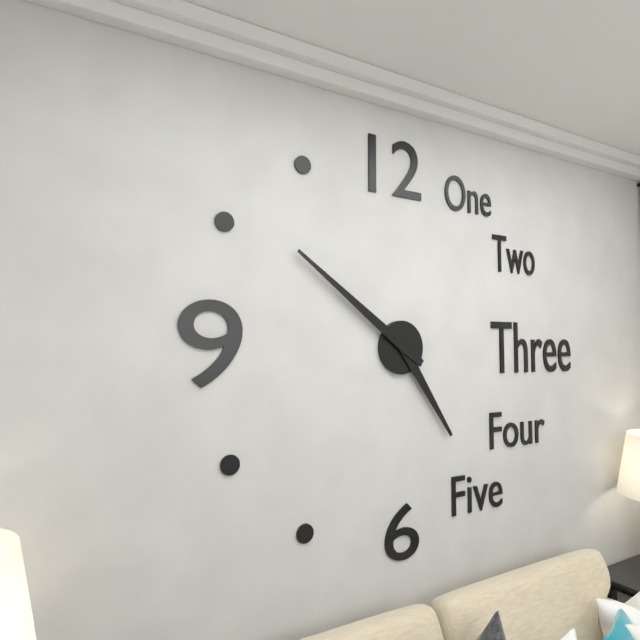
4:51
